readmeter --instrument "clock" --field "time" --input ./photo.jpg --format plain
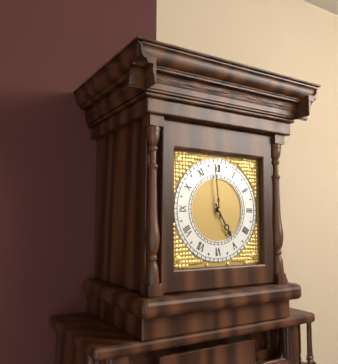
4:59
